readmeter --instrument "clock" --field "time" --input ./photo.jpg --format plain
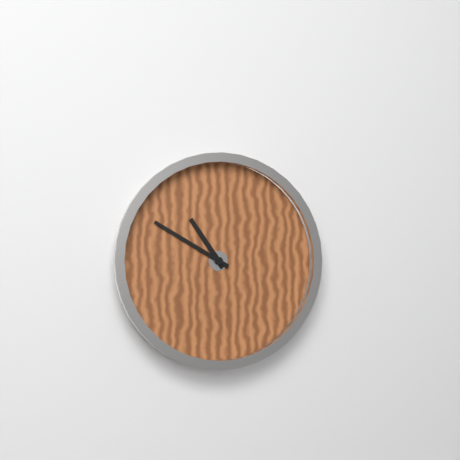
10:50
